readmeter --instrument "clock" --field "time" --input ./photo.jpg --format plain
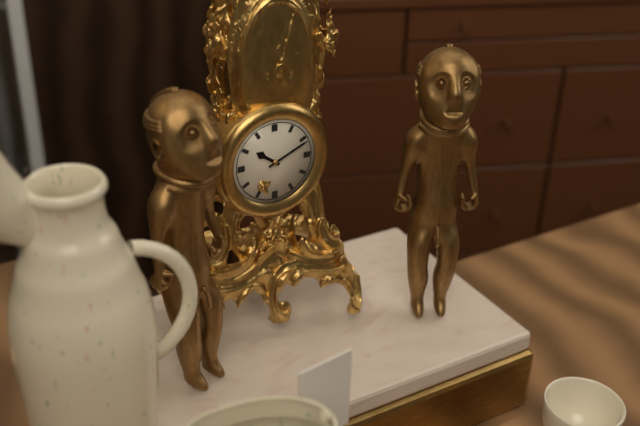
10:11
